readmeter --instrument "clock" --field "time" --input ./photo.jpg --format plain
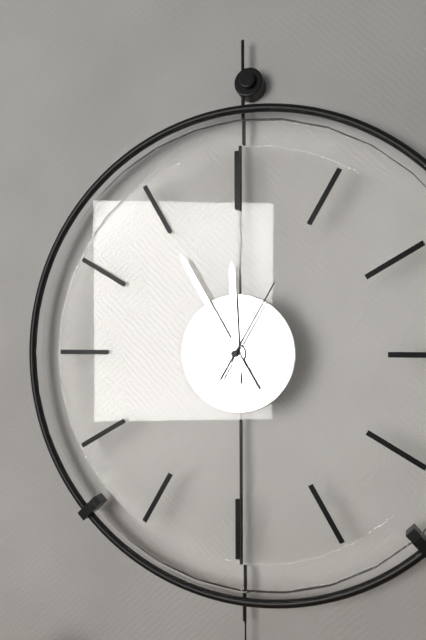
11:55:05
